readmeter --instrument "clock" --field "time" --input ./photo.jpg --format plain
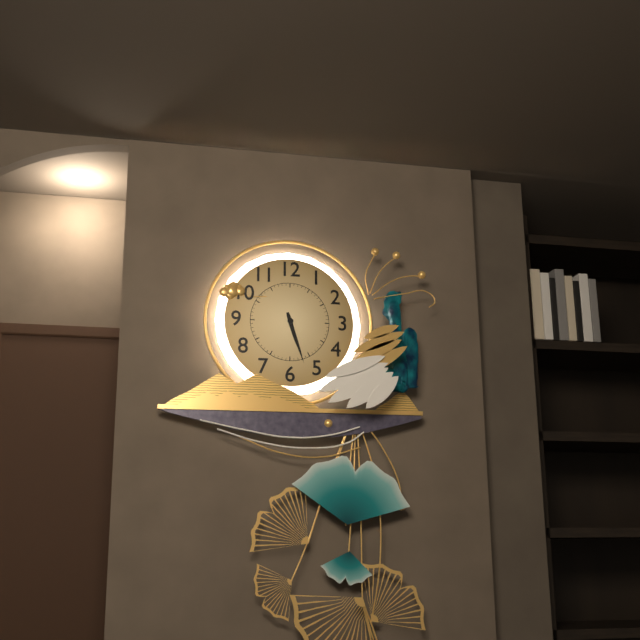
5:27
